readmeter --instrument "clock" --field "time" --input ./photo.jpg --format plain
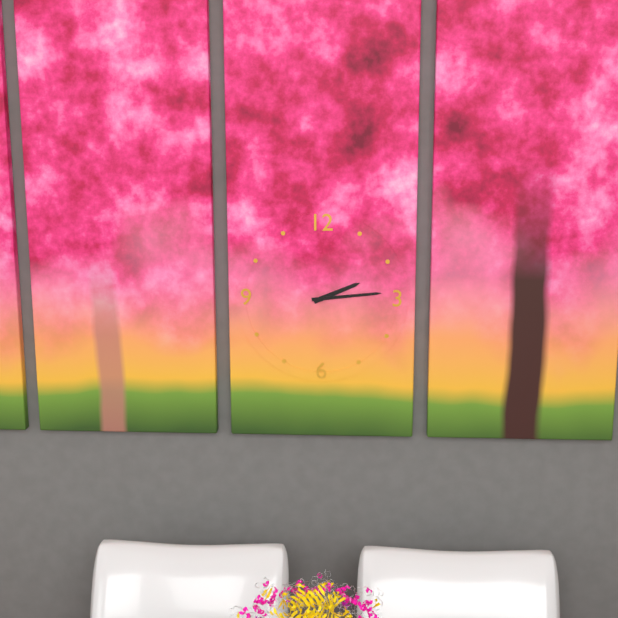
2:14
